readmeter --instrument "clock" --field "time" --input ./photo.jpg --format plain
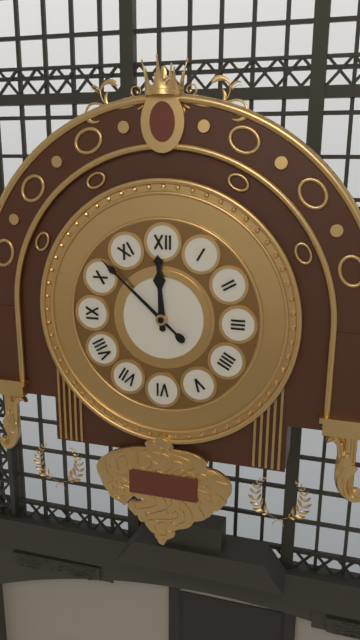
11:52
